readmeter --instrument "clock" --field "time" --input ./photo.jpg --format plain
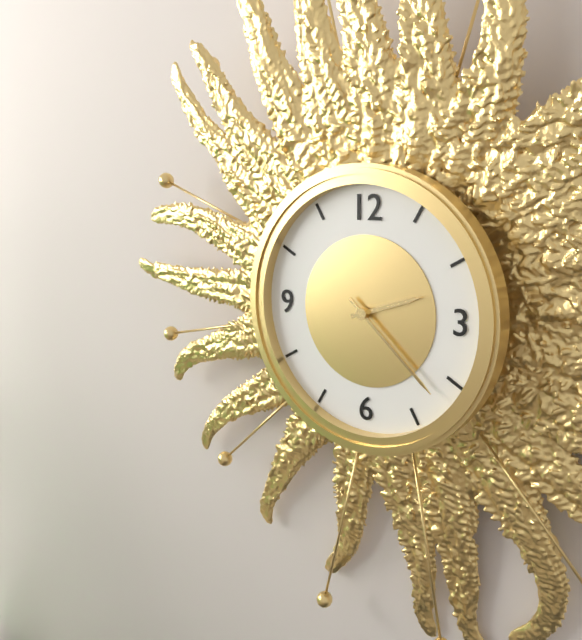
2:22
